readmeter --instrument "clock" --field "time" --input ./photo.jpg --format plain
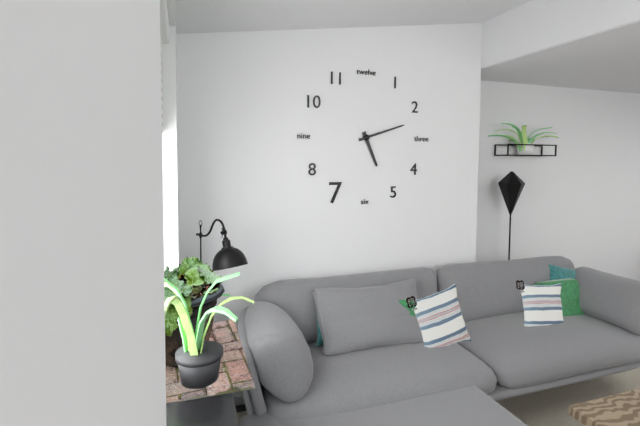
5:12
